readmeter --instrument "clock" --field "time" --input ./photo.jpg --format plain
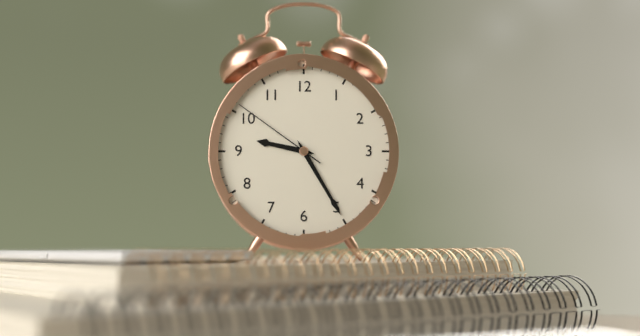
9:25:51
